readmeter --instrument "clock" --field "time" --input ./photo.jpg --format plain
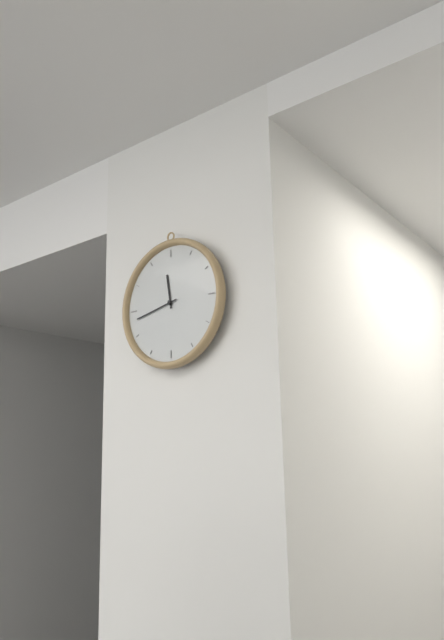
11:43
